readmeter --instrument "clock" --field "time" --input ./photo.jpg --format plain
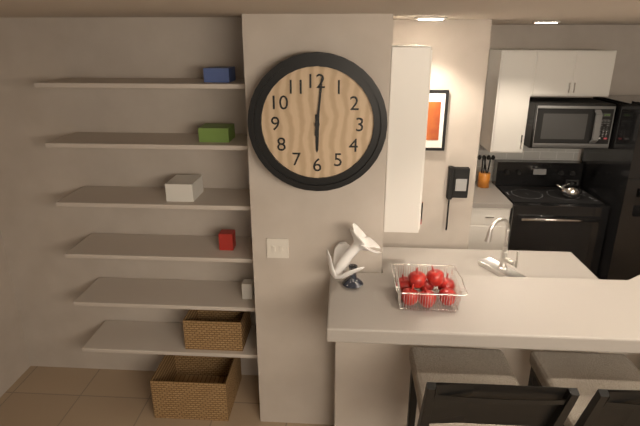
6:01
